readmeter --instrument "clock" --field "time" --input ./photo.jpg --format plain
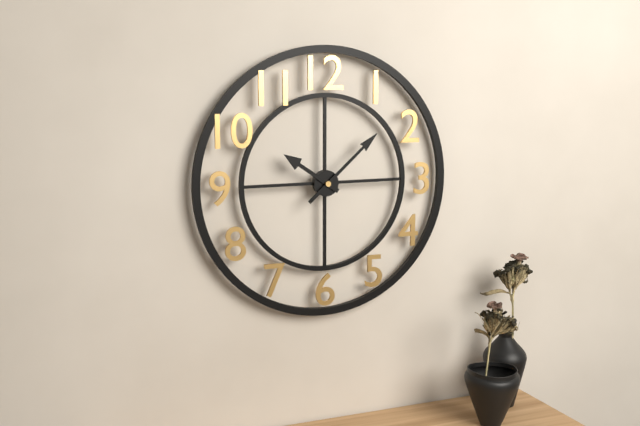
10:08
